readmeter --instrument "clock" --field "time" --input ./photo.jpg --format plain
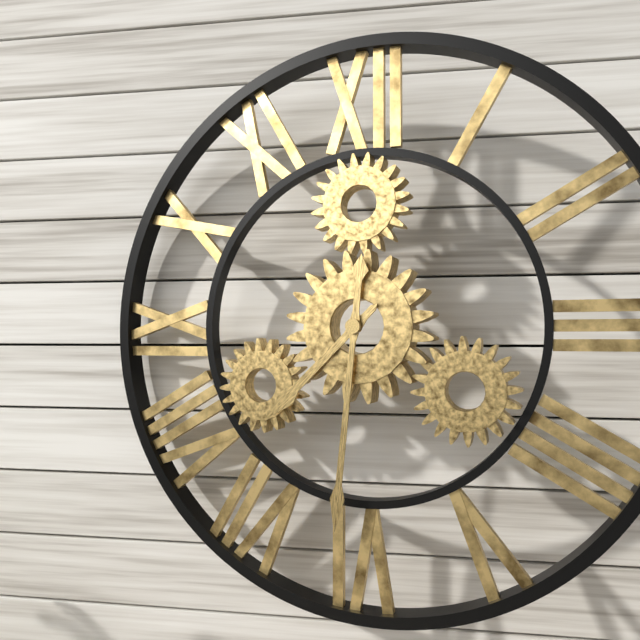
7:31
